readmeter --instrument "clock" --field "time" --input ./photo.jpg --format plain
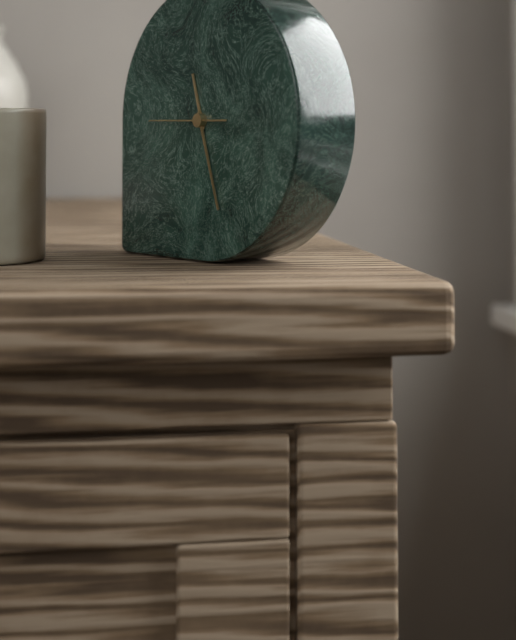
11:27:45
